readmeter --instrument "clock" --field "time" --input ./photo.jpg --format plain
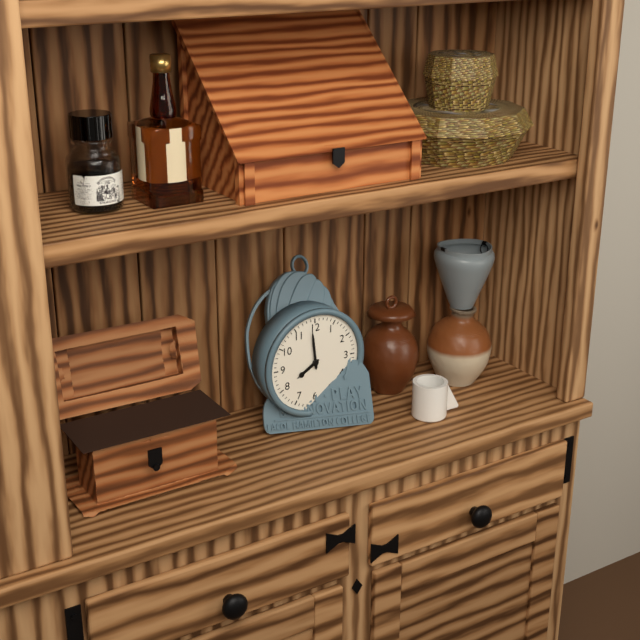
7:59
